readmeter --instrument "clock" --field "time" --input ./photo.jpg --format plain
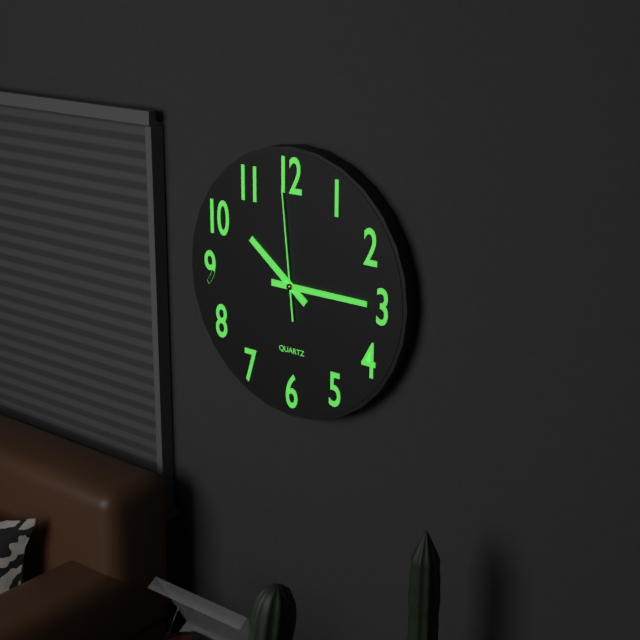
10:15:59
